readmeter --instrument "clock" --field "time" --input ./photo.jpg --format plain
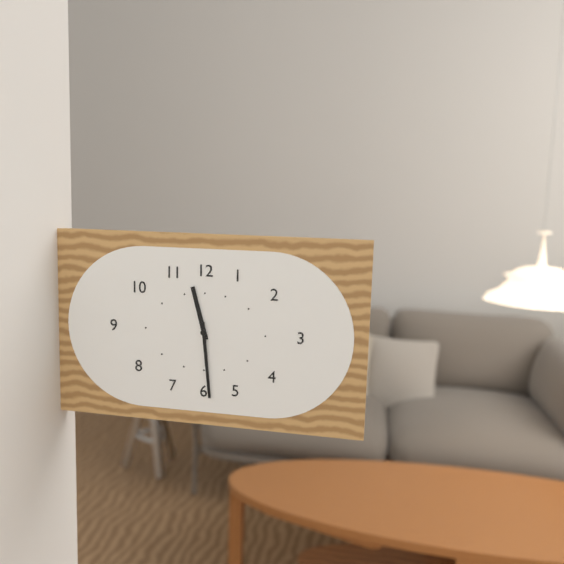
11:29
